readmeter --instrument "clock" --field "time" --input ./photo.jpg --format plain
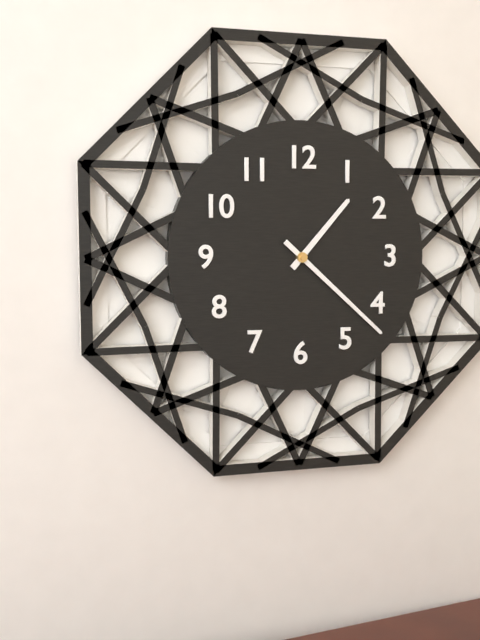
1:22
